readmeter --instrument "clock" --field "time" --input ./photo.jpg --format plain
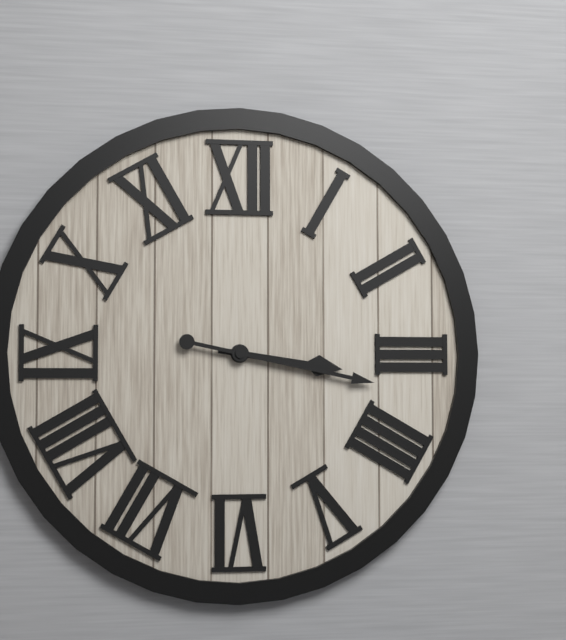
3:17
